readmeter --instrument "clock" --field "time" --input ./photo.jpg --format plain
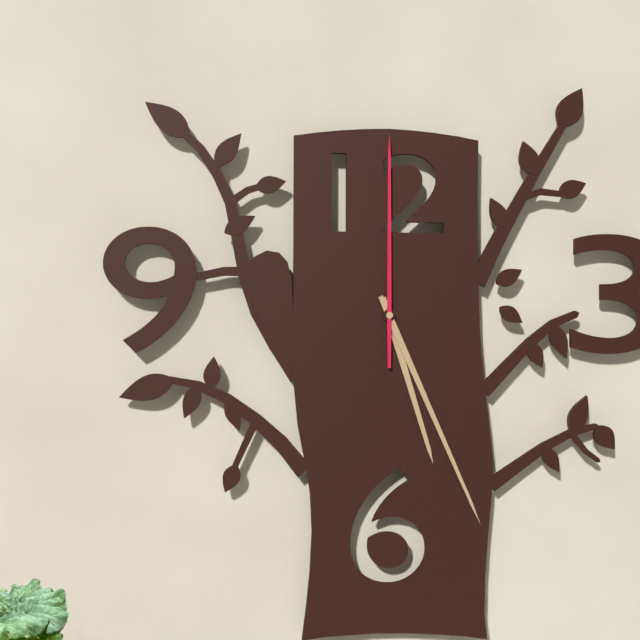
5:26:00
